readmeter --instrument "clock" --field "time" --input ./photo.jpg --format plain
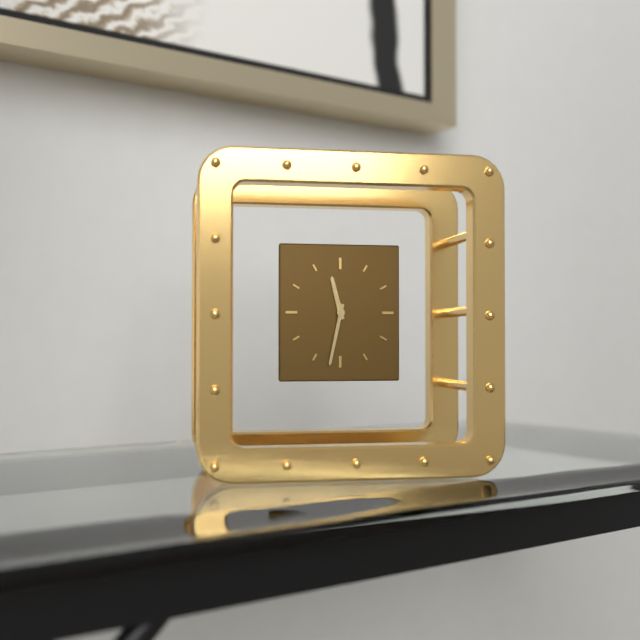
11:32
